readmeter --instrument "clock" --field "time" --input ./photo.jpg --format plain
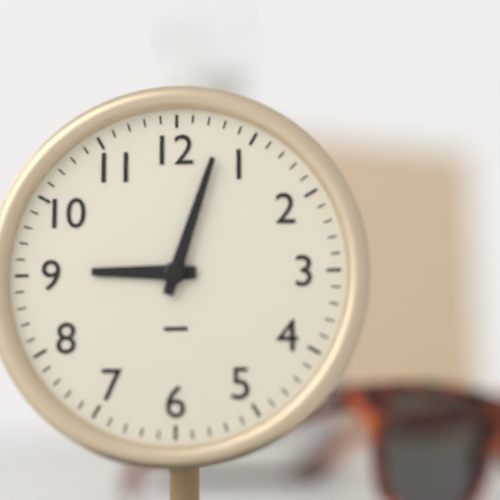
9:03
